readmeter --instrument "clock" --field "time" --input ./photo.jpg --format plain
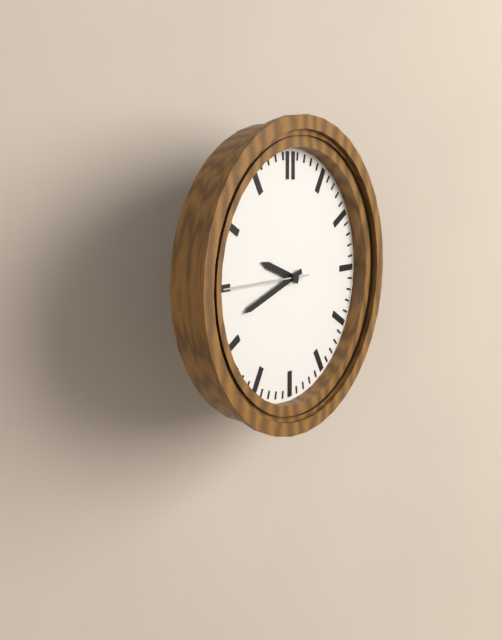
9:42:45
